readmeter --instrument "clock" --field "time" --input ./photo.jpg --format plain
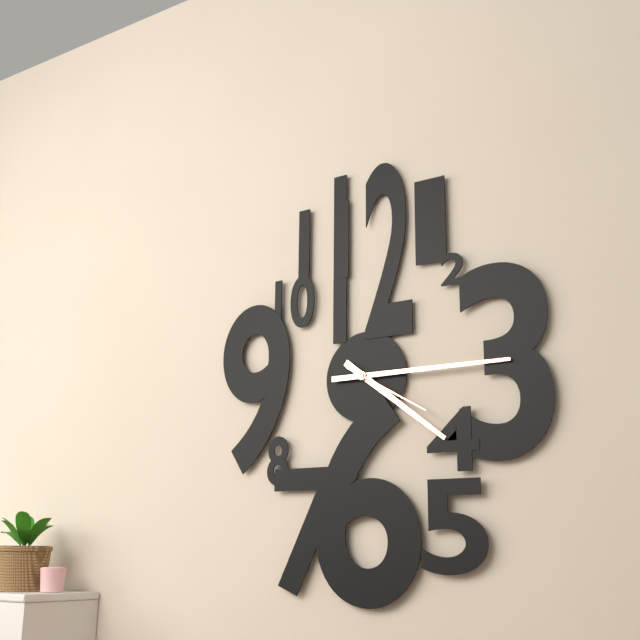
4:15:20
